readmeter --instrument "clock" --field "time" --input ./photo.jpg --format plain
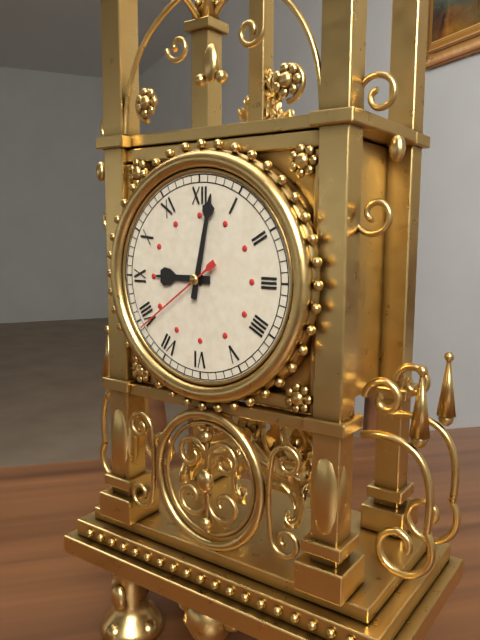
9:02:39
